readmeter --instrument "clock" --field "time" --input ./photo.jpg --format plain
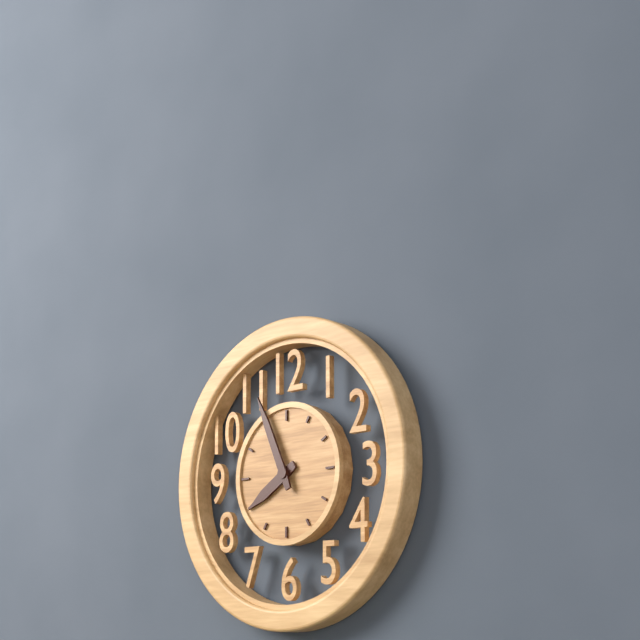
7:56
